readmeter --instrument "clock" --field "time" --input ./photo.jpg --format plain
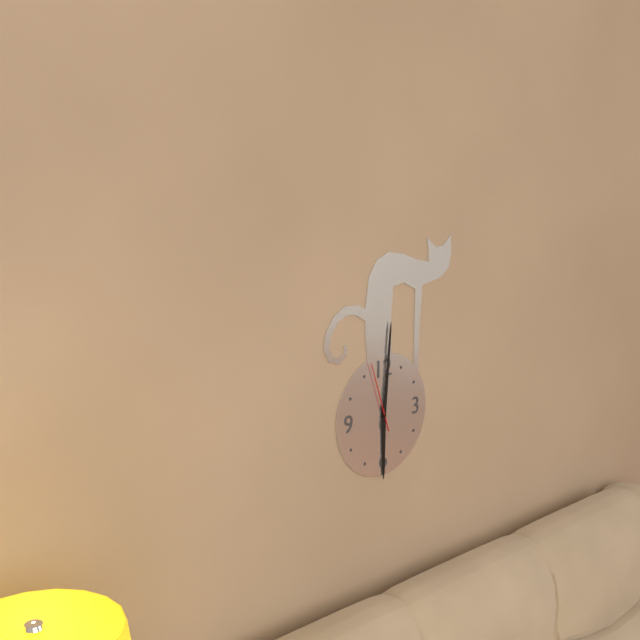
6:01:57
